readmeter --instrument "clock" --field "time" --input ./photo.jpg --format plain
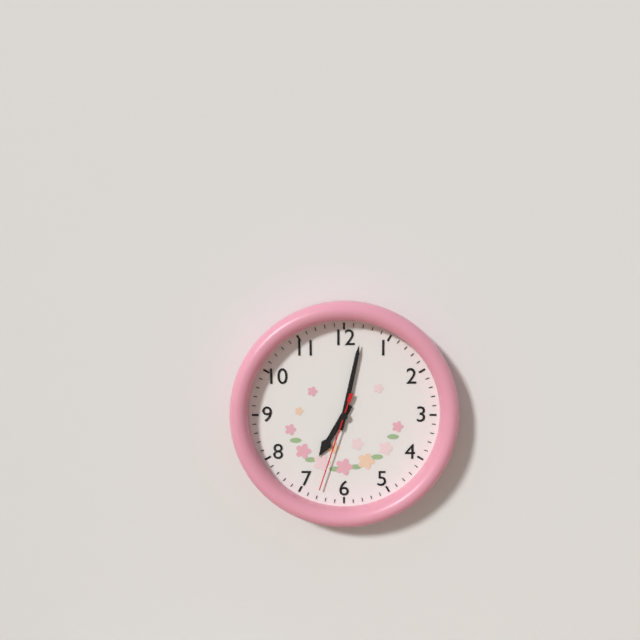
7:02:33
